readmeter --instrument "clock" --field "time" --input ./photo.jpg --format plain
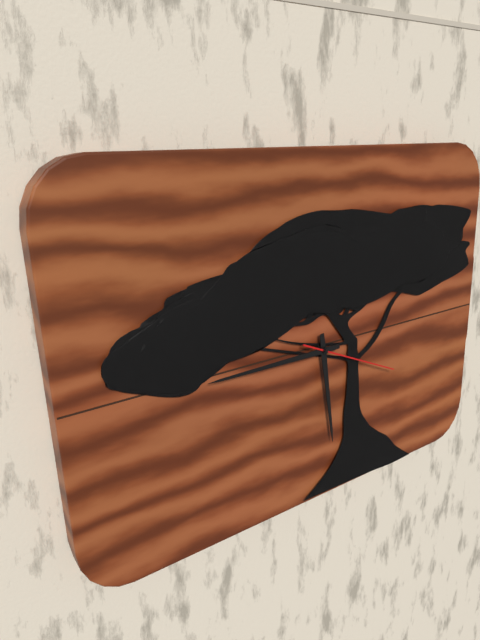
5:45:19
